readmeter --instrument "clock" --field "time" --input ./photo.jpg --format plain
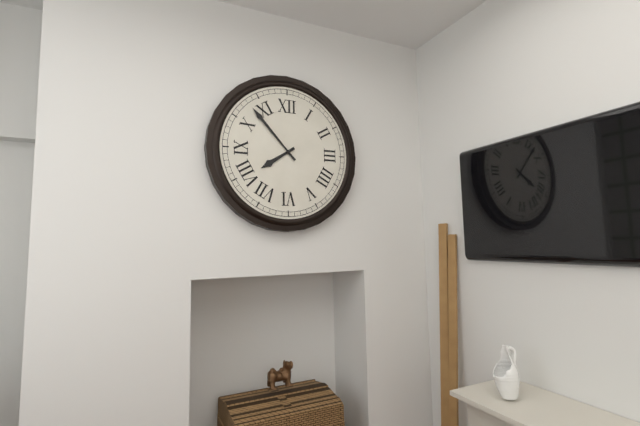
7:53
